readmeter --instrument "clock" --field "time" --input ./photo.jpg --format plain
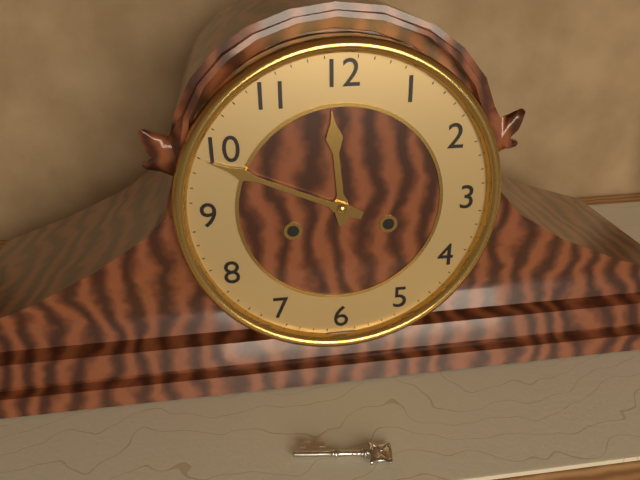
11:49
